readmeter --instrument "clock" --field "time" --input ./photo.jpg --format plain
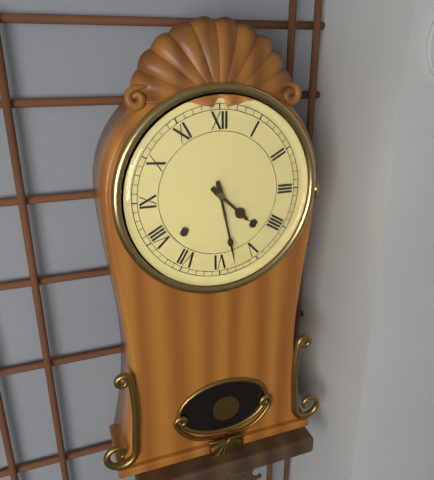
4:28
